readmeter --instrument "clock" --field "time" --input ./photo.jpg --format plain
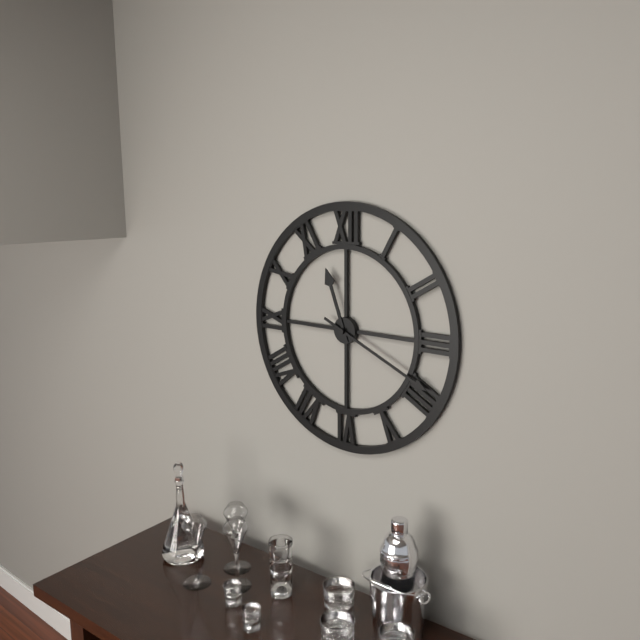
11:19
